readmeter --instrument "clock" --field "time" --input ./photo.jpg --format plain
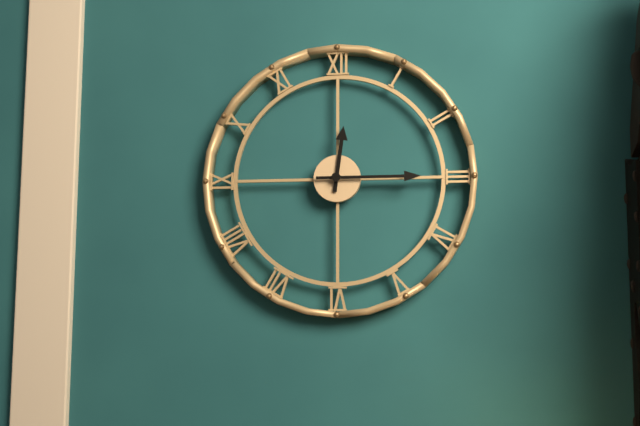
12:15
